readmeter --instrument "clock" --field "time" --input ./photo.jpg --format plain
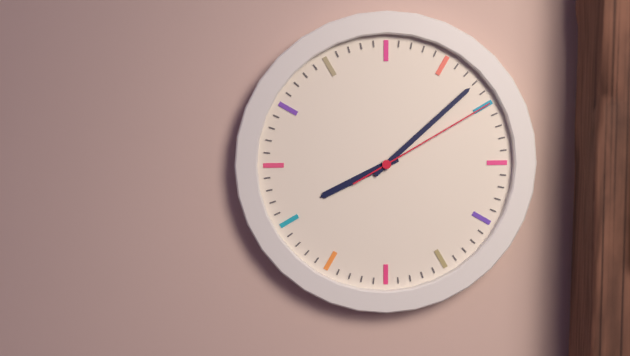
8:08:10
